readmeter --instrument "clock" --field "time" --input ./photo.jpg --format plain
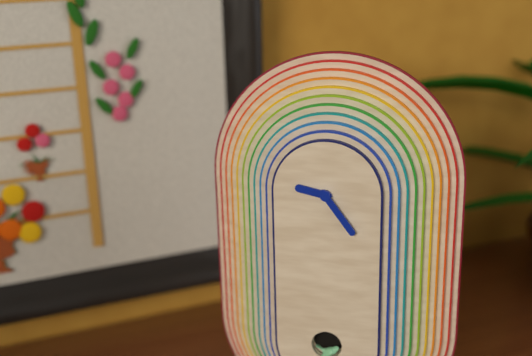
9:24
